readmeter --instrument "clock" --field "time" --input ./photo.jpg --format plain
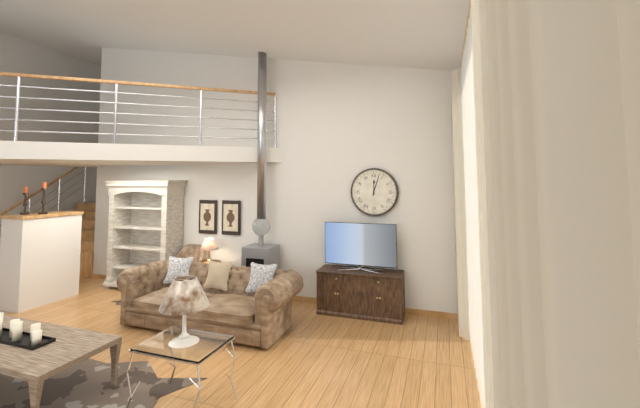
12:03
